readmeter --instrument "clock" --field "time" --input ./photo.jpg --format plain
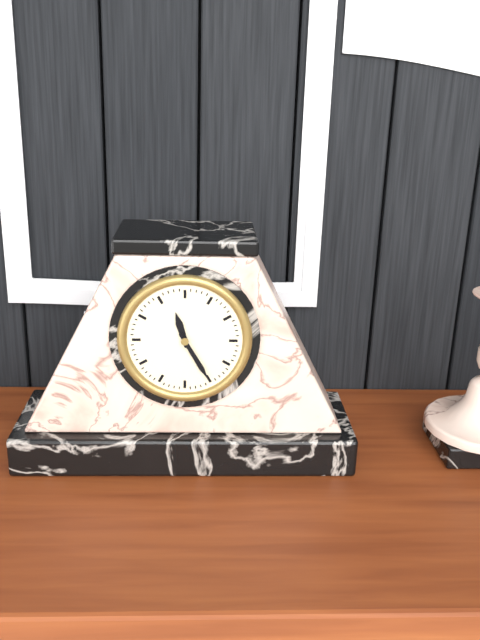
11:25
